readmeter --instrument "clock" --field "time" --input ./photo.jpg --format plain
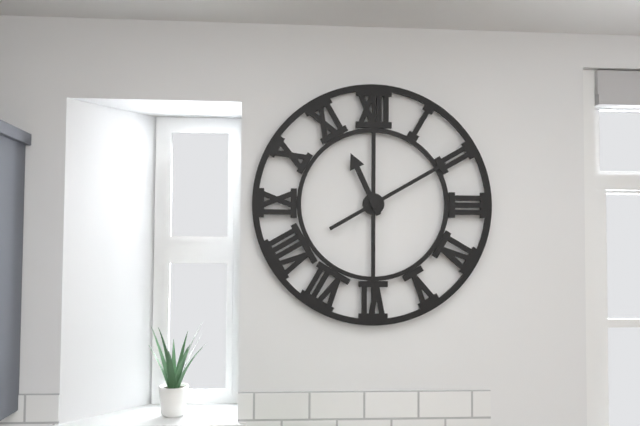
11:10
